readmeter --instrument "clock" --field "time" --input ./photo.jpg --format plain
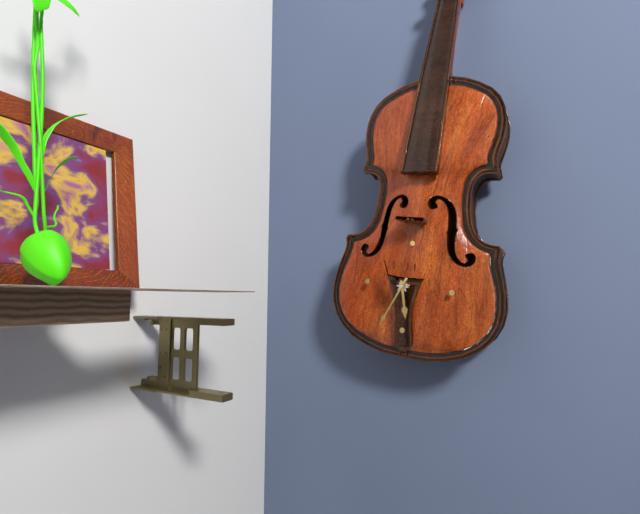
5:34
